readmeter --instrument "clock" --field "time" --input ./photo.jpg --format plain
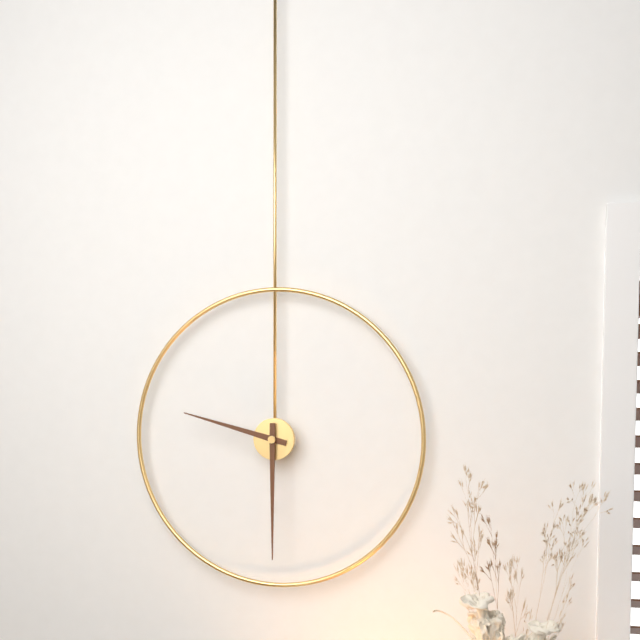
9:30
